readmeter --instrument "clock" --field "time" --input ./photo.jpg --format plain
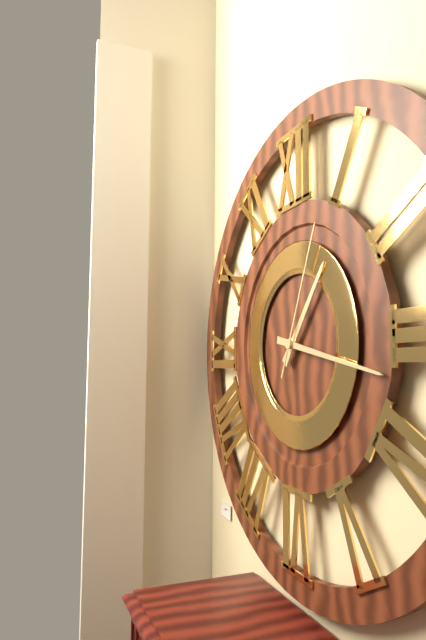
1:17:04
